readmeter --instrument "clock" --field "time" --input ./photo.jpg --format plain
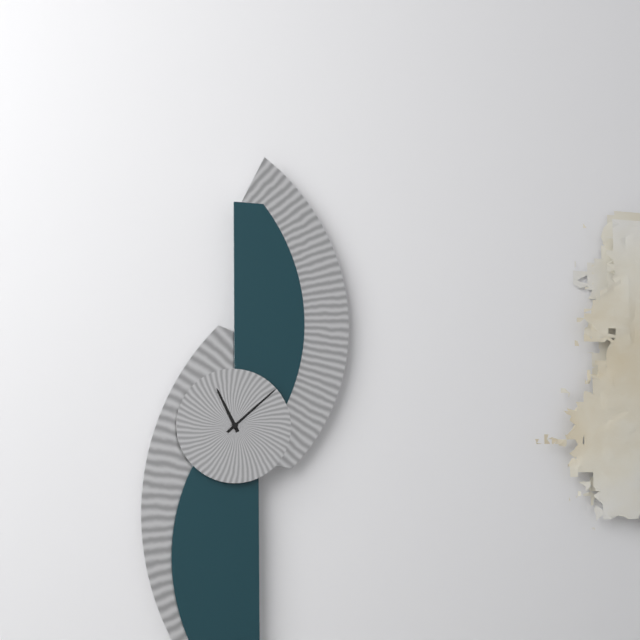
11:08
